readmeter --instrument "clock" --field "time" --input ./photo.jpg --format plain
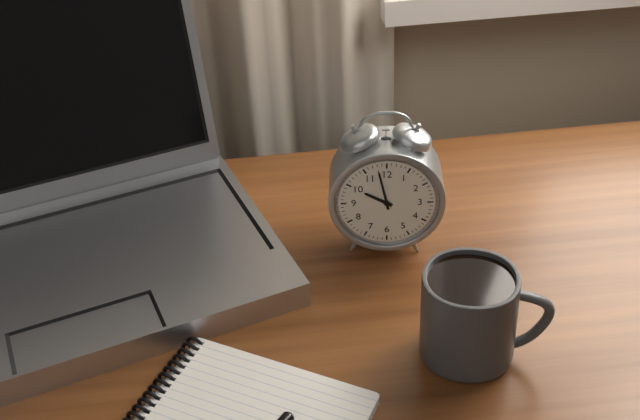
9:58
